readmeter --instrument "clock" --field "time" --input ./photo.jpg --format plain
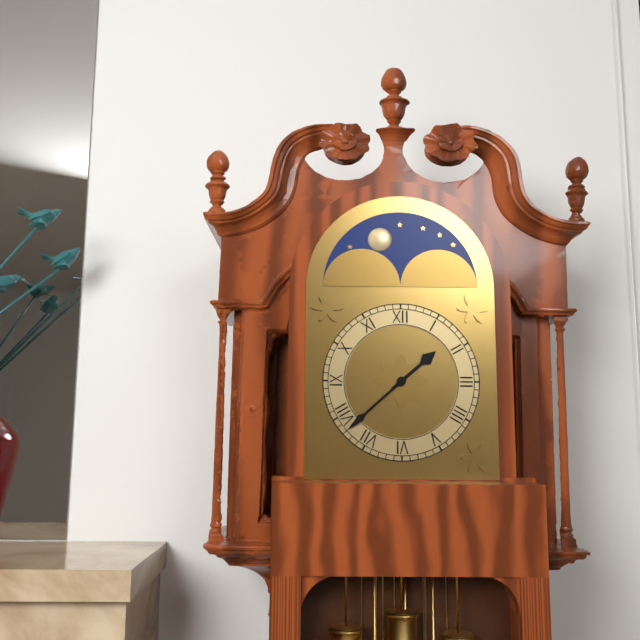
1:38
